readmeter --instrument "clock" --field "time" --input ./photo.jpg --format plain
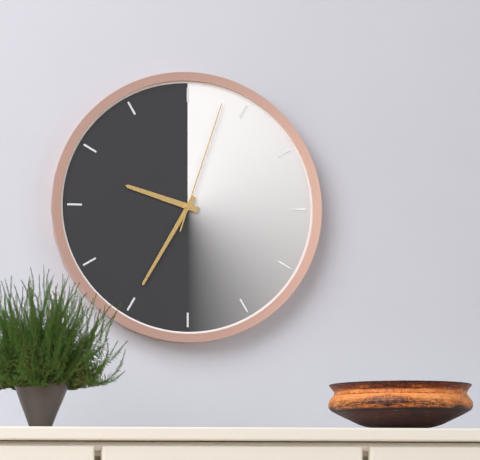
9:35:03
